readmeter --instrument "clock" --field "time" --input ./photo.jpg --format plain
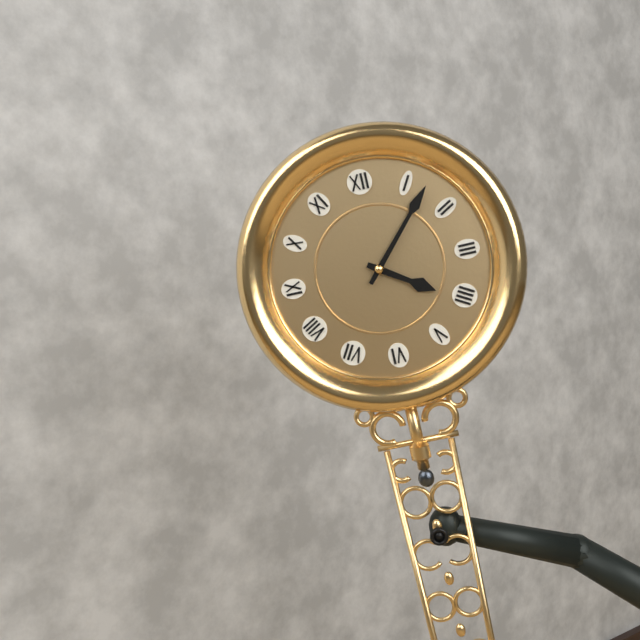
4:07
